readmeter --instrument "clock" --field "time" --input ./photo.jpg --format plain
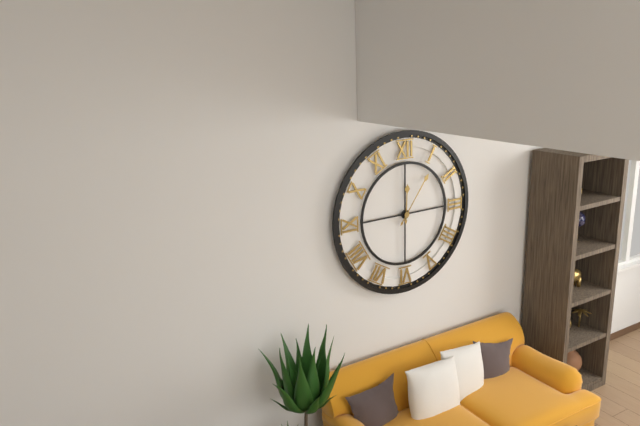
12:06
